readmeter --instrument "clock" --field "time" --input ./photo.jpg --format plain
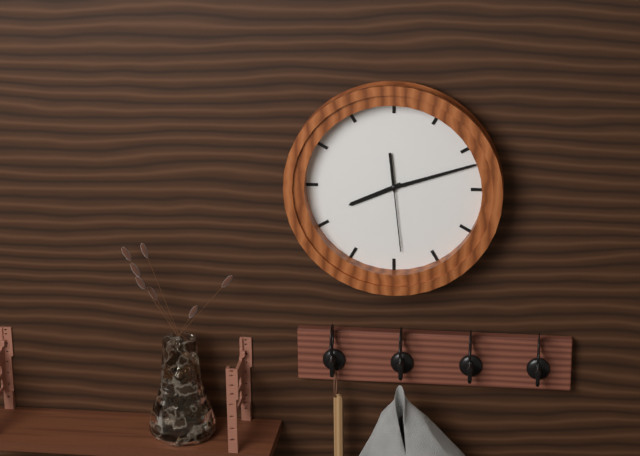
8:12:29
